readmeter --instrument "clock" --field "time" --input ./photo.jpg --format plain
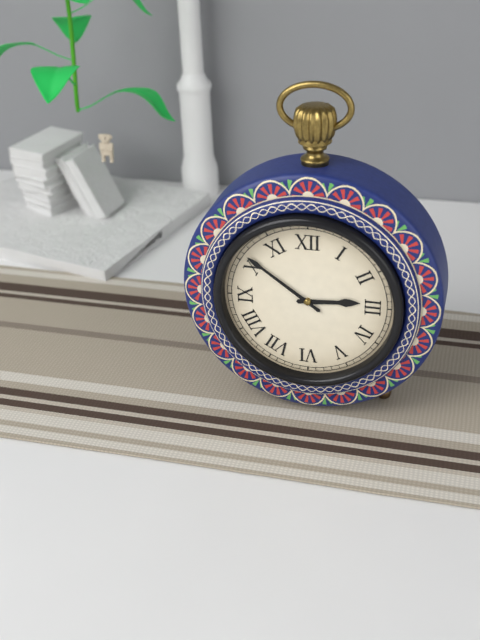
2:51
